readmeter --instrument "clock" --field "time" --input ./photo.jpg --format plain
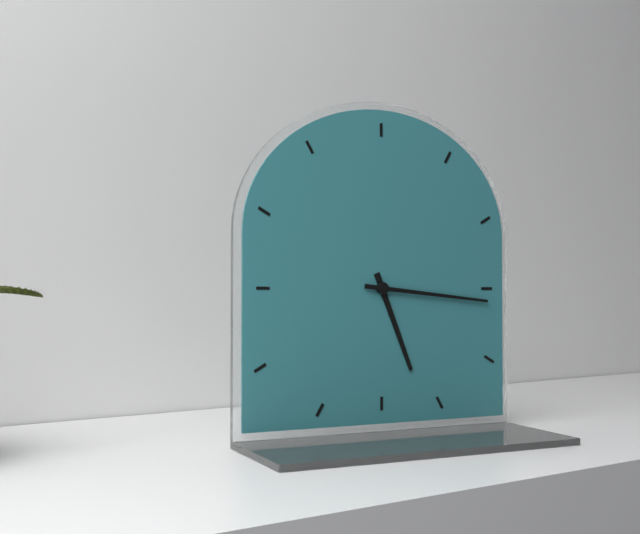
5:16
